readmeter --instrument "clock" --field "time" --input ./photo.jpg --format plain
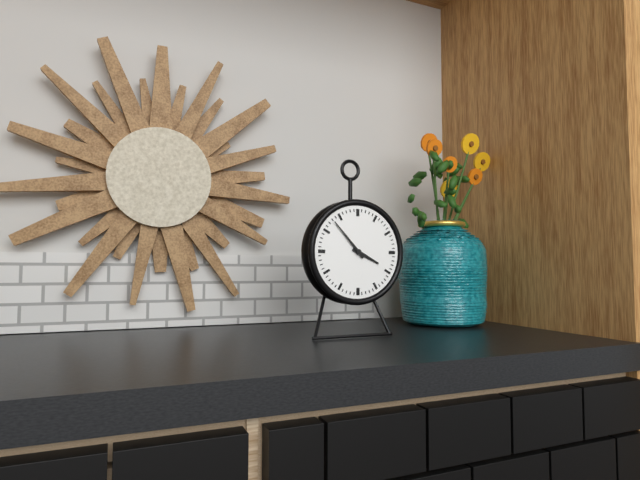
3:53
